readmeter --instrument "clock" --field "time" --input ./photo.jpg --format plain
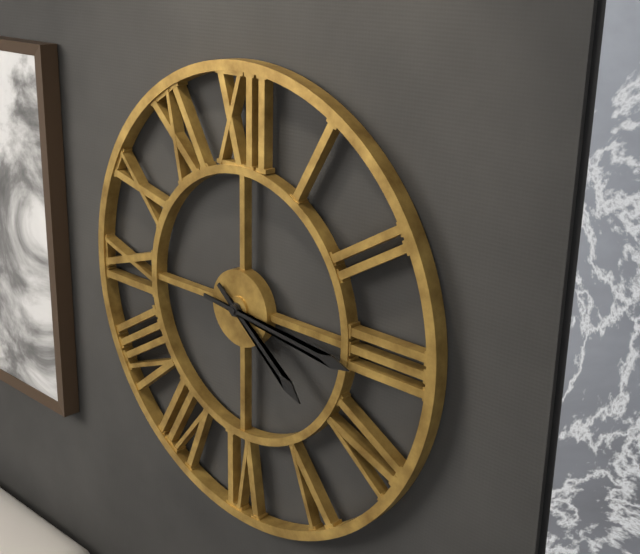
4:16
